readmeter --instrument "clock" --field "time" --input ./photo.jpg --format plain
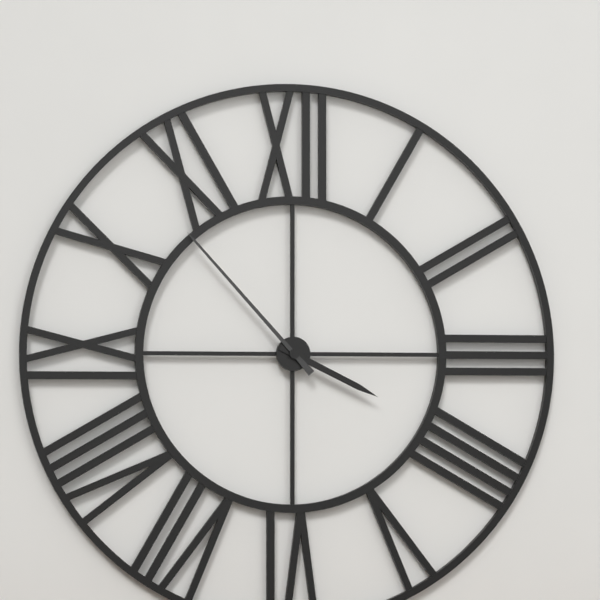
3:53
